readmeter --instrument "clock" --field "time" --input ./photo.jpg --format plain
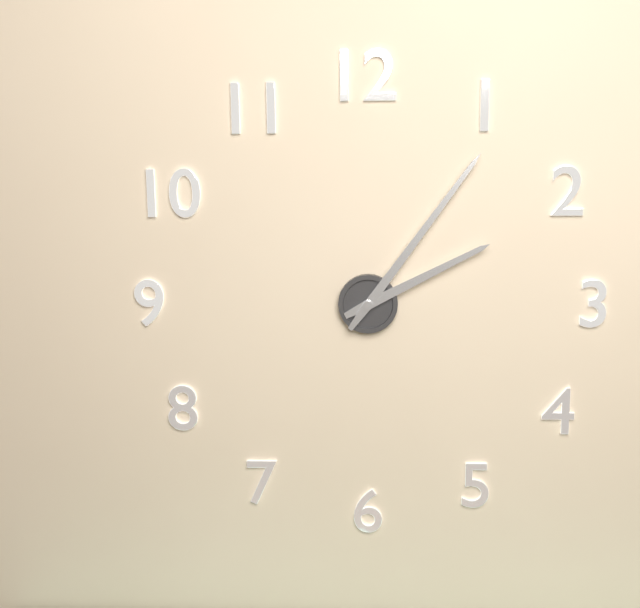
2:06
